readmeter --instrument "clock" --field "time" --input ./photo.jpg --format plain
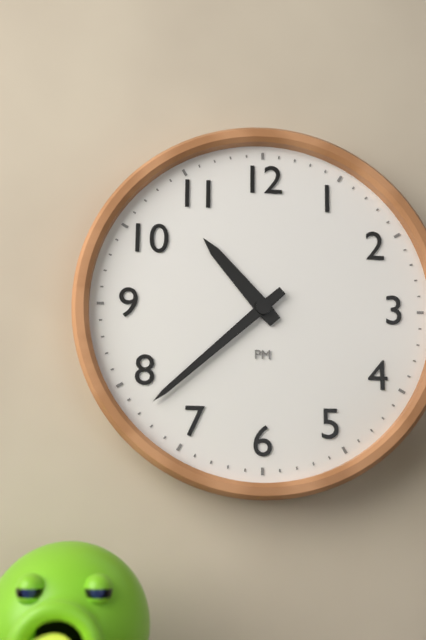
10:38
